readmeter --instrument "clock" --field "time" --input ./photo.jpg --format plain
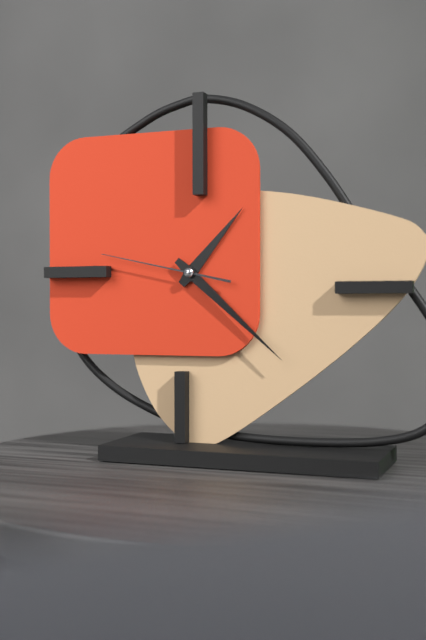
1:22:47
